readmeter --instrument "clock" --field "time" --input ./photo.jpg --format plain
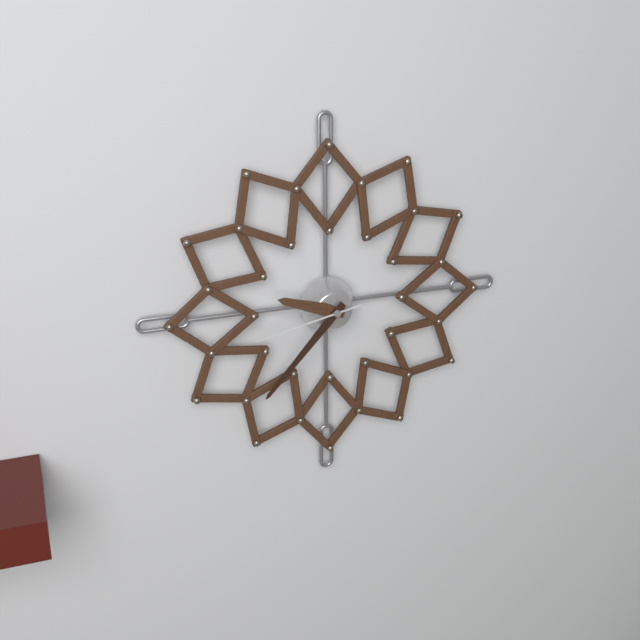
9:37:43
